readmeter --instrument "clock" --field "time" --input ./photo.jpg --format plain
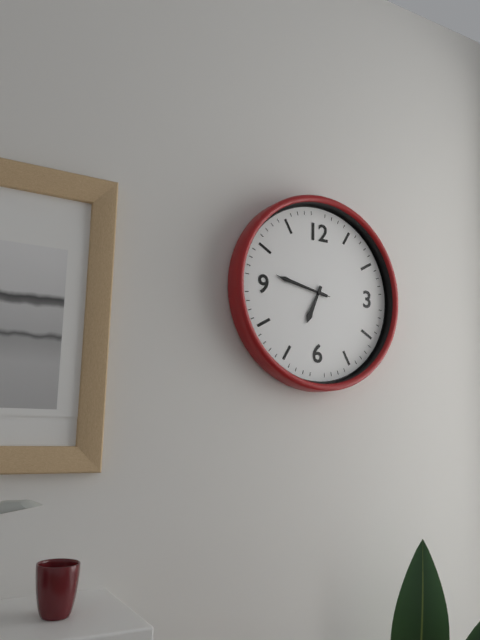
6:47:47
